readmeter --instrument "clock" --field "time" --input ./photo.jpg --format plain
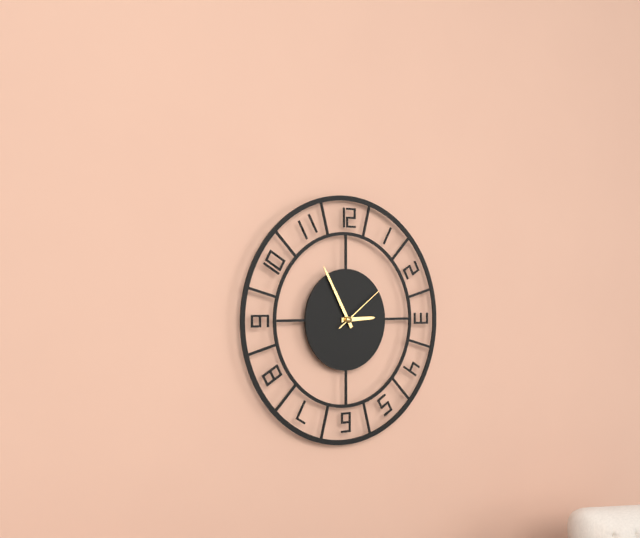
2:55:09
